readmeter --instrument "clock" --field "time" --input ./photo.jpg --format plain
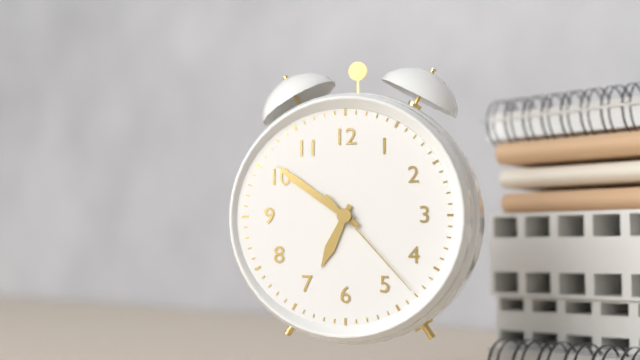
6:51:23
